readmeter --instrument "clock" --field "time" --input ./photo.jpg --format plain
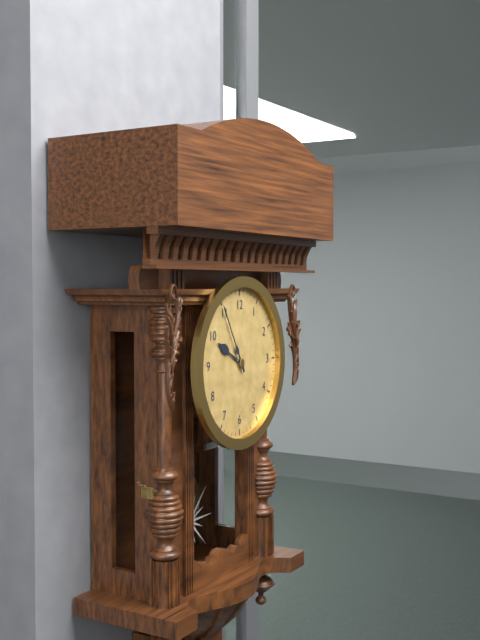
9:55
